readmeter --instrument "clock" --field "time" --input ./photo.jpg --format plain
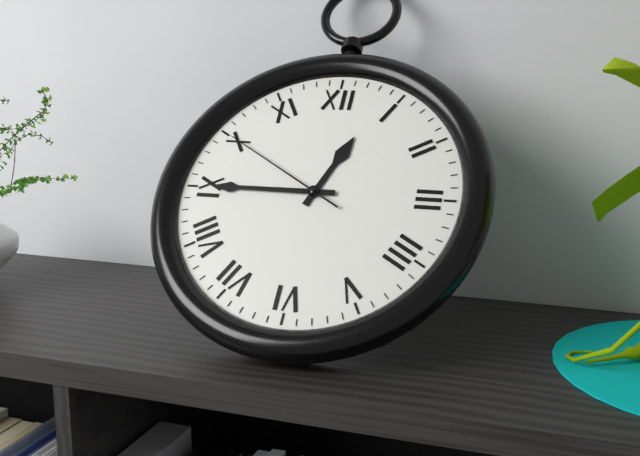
12:45:50
